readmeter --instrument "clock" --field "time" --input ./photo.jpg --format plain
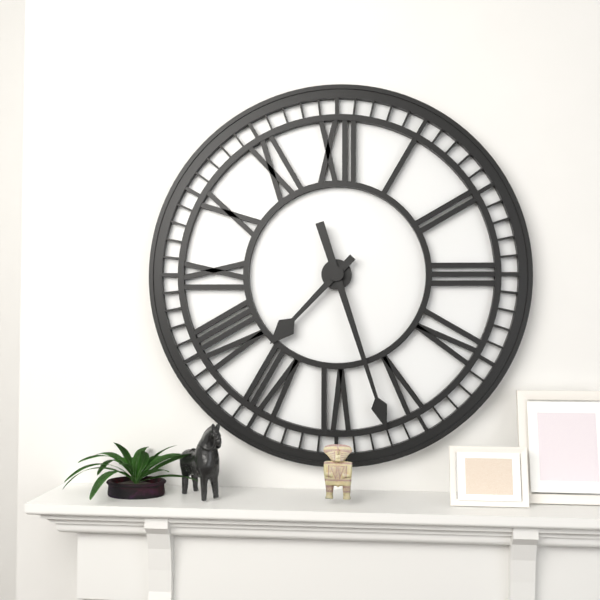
7:27
